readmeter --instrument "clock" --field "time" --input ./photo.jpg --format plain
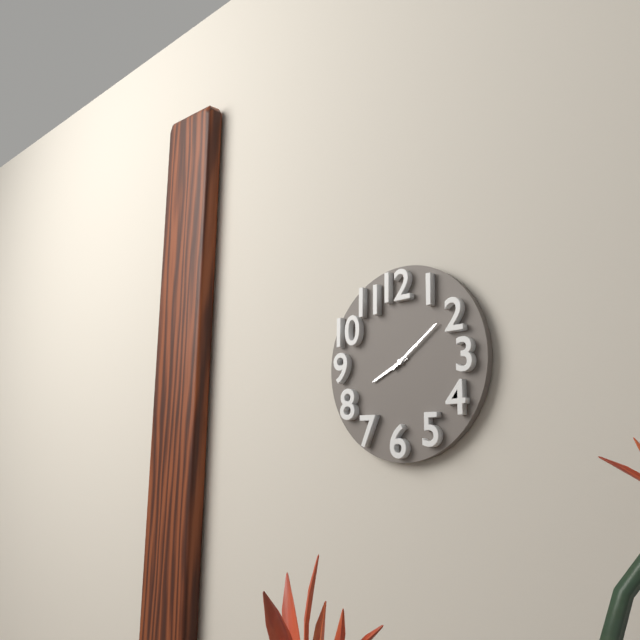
8:09
